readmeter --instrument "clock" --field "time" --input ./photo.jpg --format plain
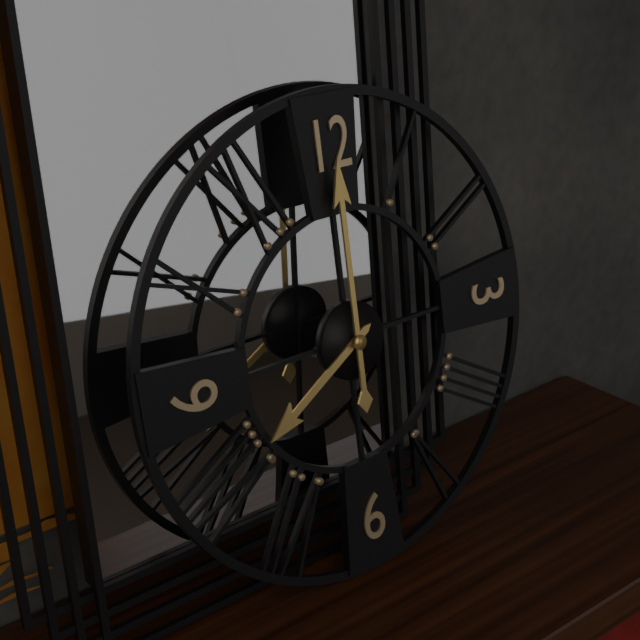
8:00
